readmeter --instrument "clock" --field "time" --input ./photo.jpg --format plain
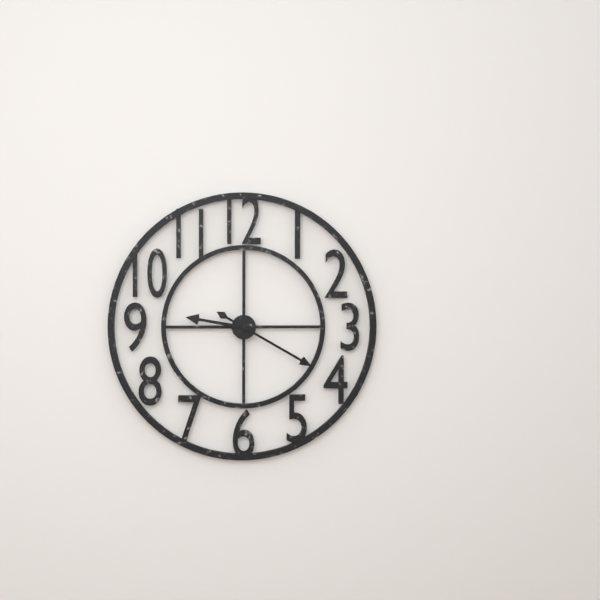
9:20
